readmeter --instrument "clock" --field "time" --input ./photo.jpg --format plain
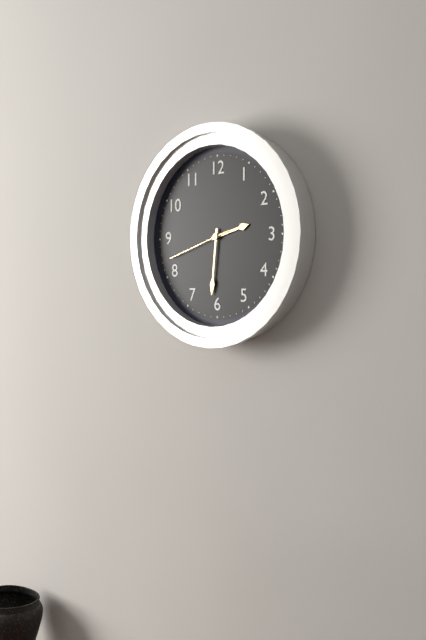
2:31:42
